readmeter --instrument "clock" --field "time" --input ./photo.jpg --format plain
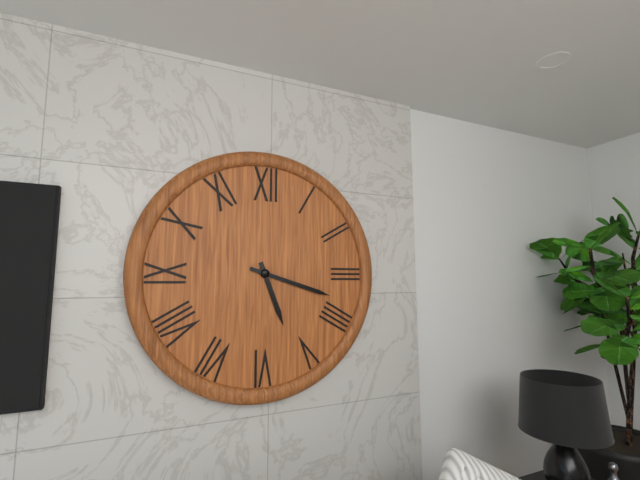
5:18
